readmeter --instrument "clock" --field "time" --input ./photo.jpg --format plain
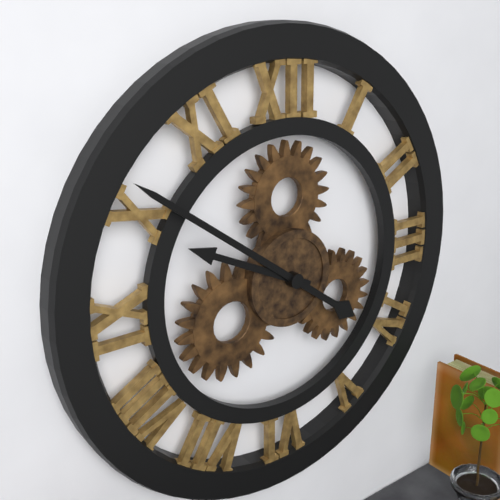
9:51
